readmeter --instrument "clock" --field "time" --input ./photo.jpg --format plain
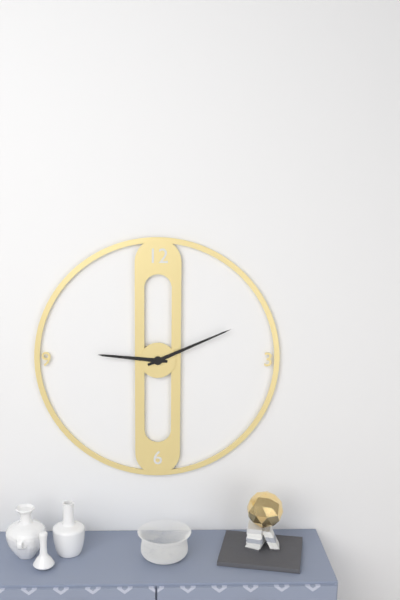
9:11
